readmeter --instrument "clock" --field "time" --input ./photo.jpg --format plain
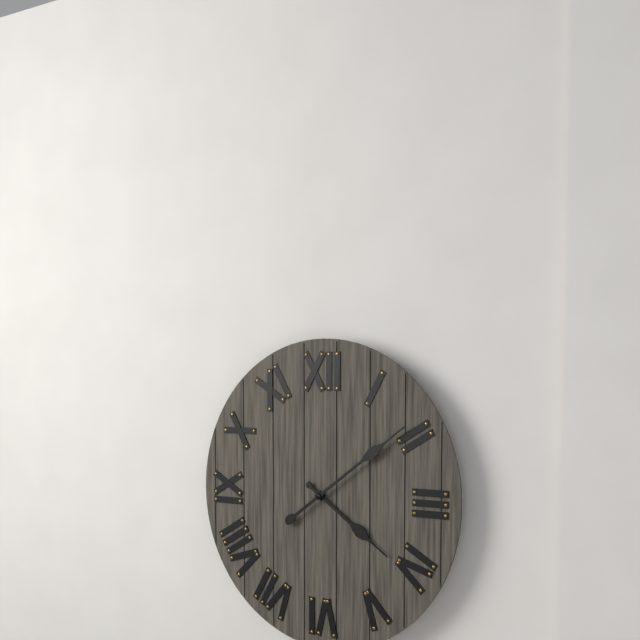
4:09
